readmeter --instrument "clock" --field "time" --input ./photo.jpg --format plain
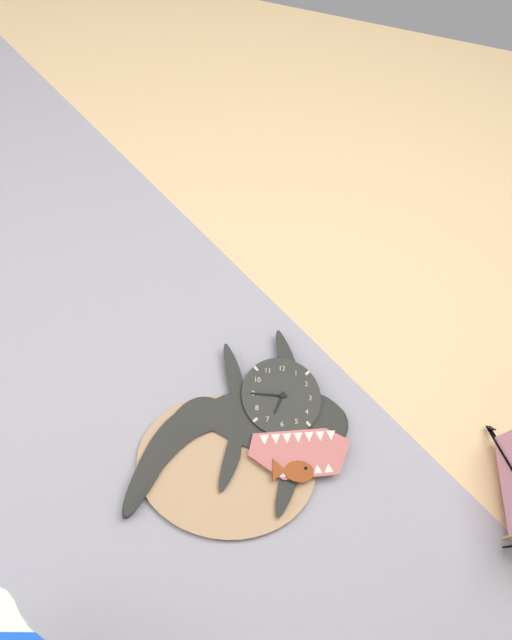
6:45
